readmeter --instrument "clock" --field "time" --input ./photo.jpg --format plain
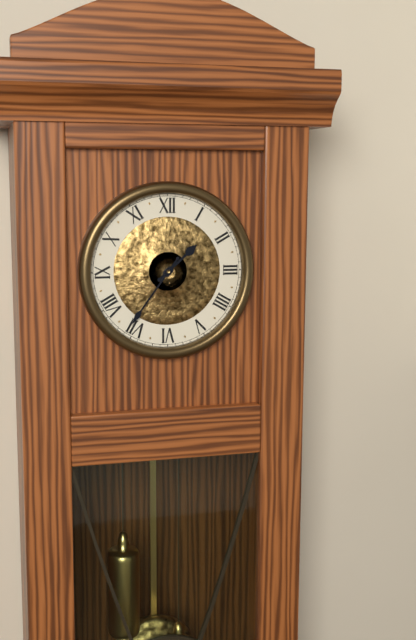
1:36
